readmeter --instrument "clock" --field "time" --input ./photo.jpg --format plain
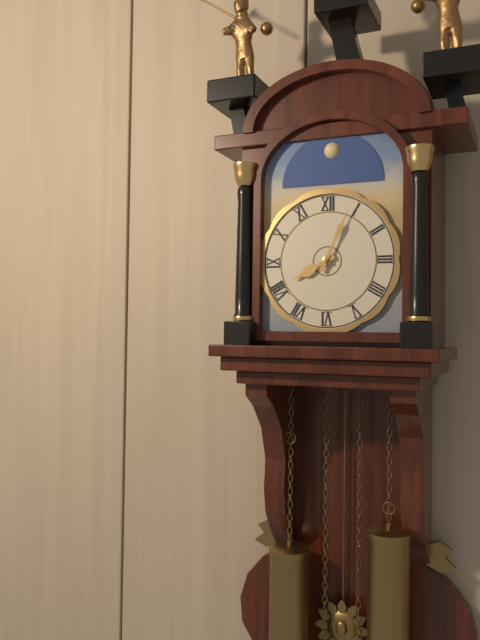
8:04
